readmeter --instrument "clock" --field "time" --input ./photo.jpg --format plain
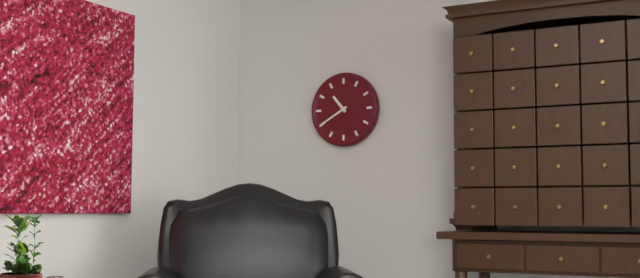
10:40
